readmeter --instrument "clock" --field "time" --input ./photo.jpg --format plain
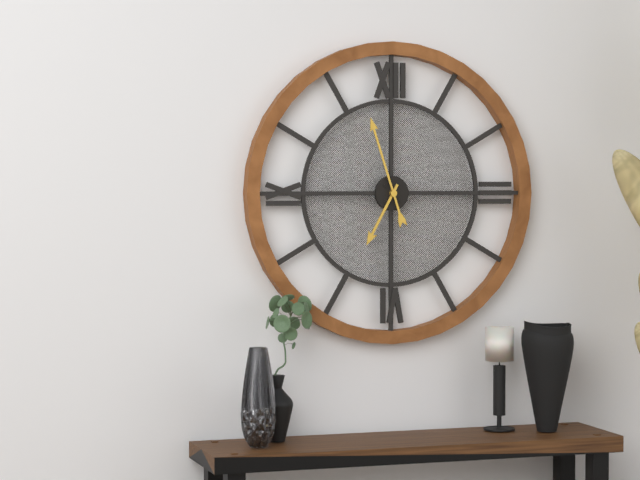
6:57
